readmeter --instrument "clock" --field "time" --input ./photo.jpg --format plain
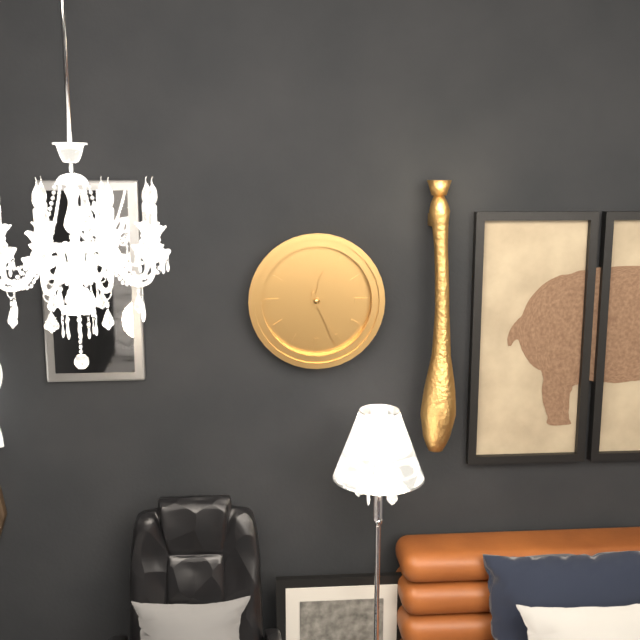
12:26
